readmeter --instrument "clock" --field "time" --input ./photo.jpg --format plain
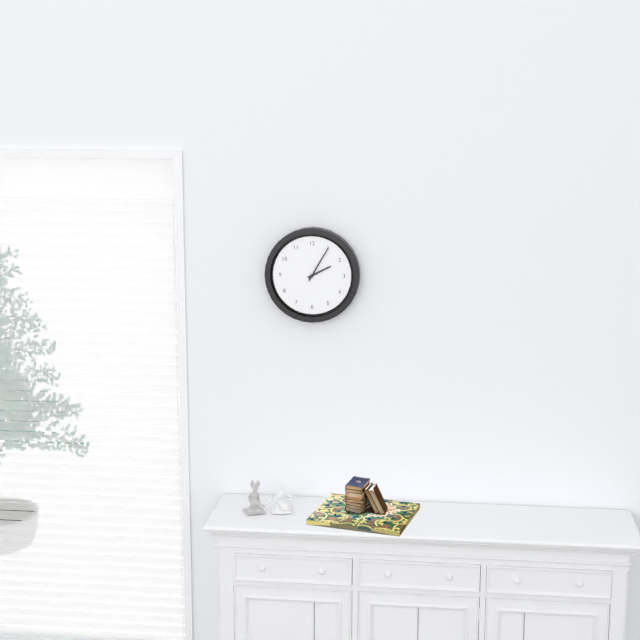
2:05
